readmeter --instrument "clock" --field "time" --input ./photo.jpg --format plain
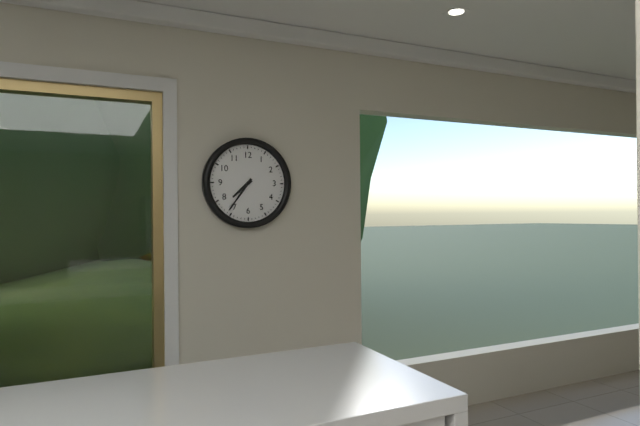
7:36
